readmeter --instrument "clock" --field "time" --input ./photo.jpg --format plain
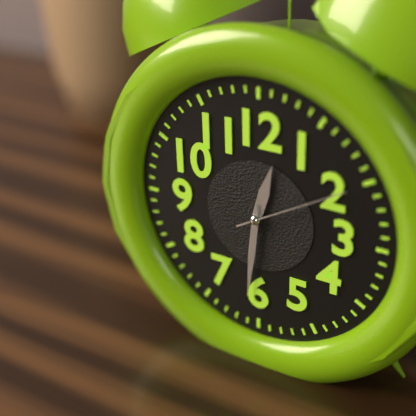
12:31:10
